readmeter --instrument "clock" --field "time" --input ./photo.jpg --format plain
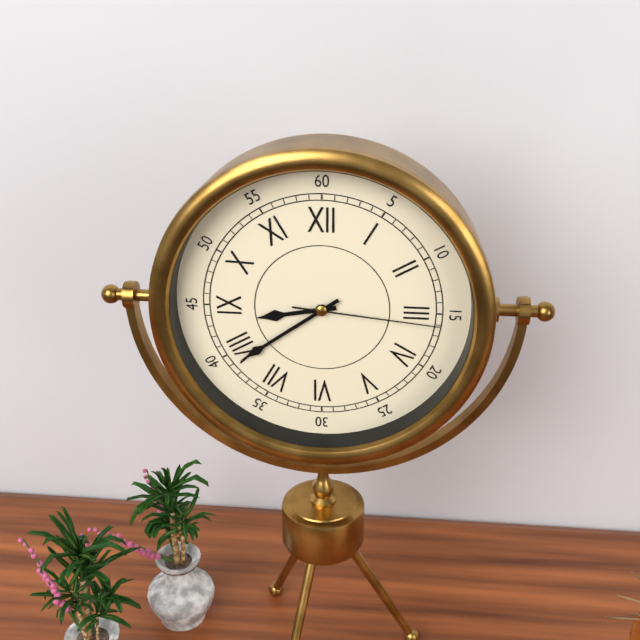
8:39:16
